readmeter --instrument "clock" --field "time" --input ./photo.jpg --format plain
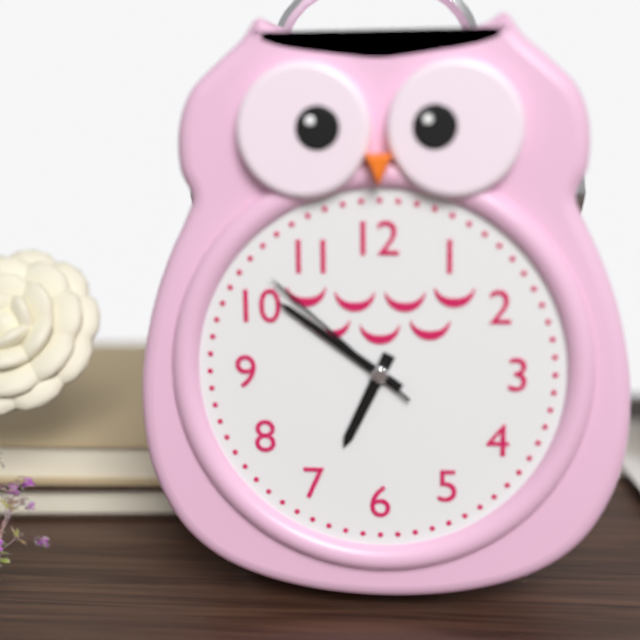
6:51:52
